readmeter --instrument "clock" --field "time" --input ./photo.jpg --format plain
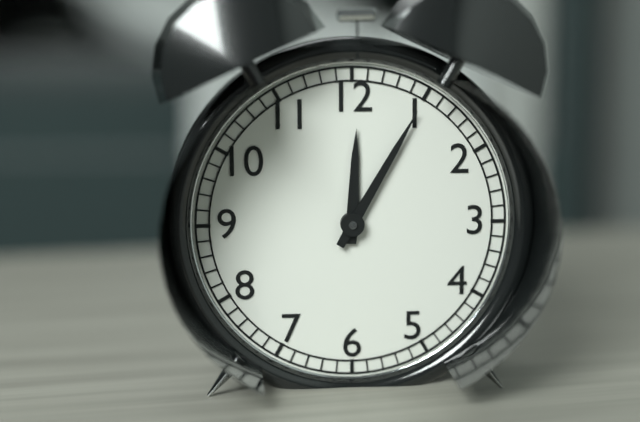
12:05
